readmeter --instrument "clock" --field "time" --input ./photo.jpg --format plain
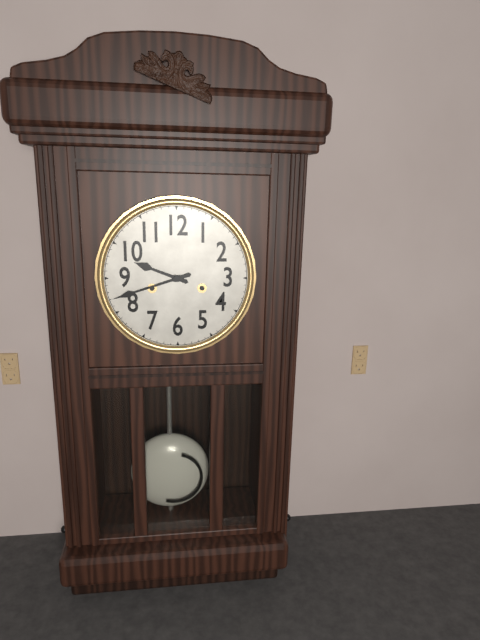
9:42
